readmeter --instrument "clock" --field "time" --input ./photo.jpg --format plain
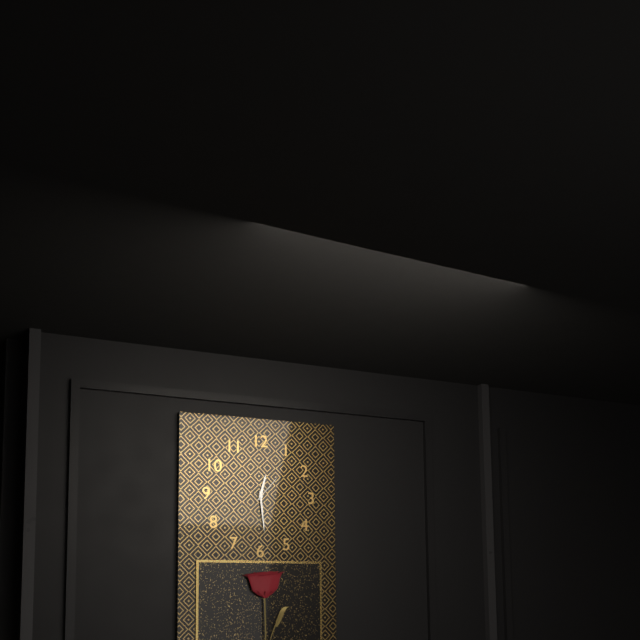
12:29
